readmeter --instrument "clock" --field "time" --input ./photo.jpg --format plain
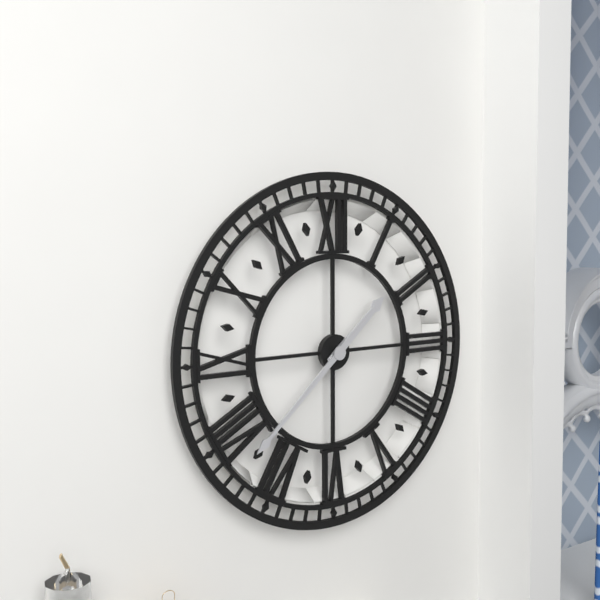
1:38
